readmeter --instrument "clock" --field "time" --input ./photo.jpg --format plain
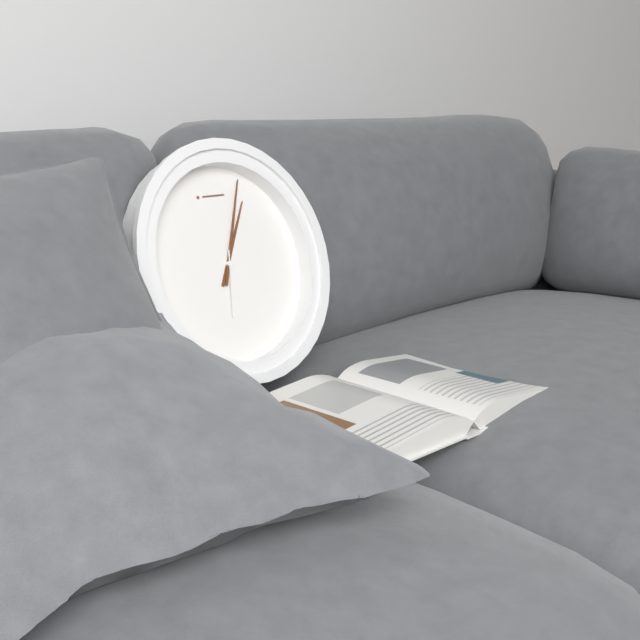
1:04:32
